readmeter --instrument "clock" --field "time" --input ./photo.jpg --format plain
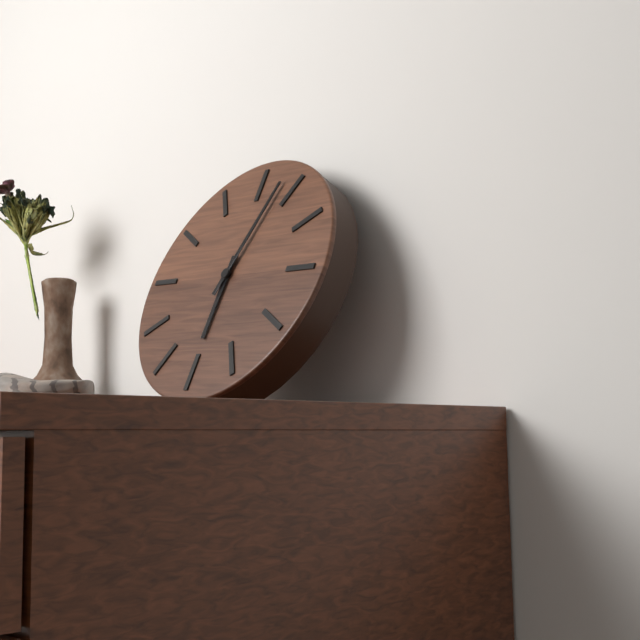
6:03
